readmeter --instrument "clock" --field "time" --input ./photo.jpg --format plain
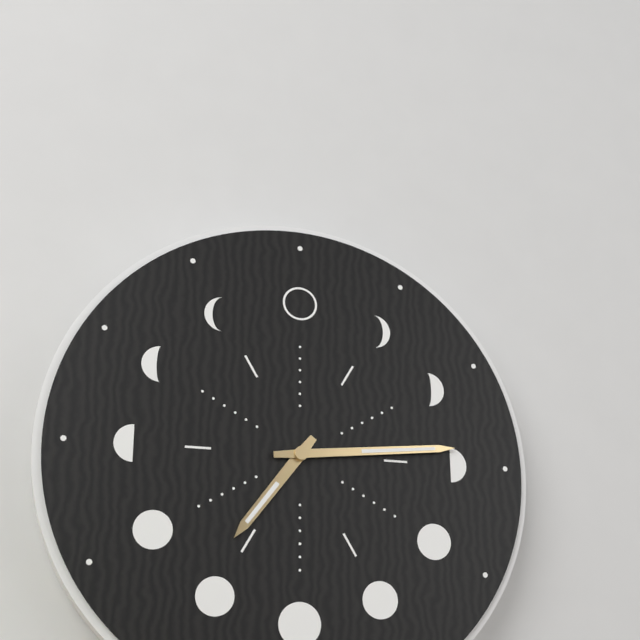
7:14
